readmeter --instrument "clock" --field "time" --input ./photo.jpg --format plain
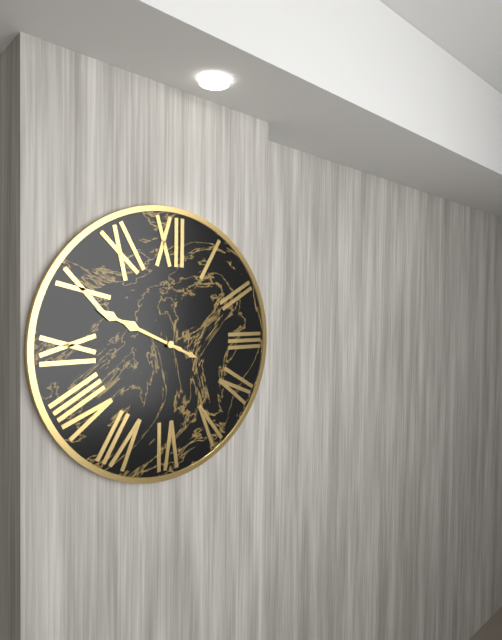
9:49
